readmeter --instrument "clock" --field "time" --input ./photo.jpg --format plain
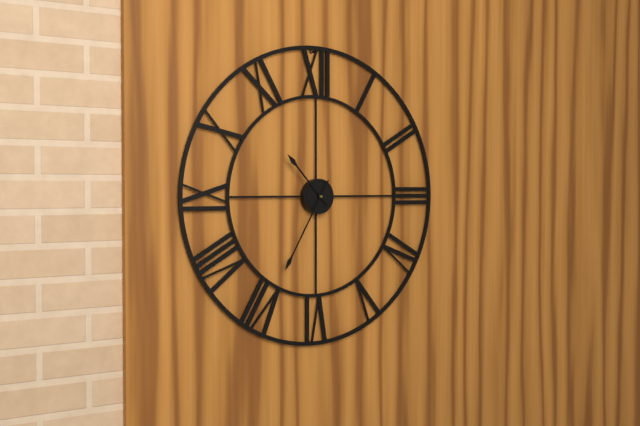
10:35
